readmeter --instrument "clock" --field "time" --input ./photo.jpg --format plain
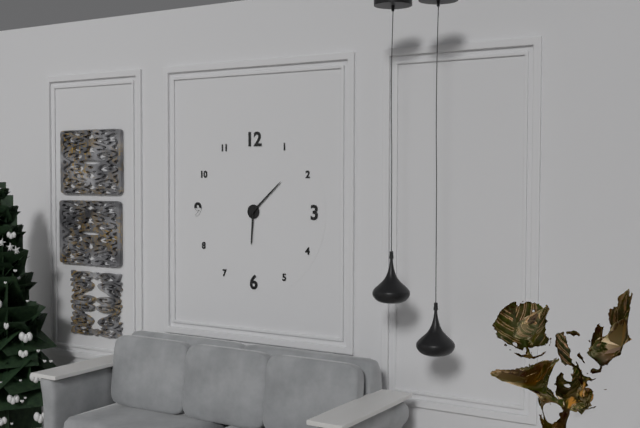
6:08
